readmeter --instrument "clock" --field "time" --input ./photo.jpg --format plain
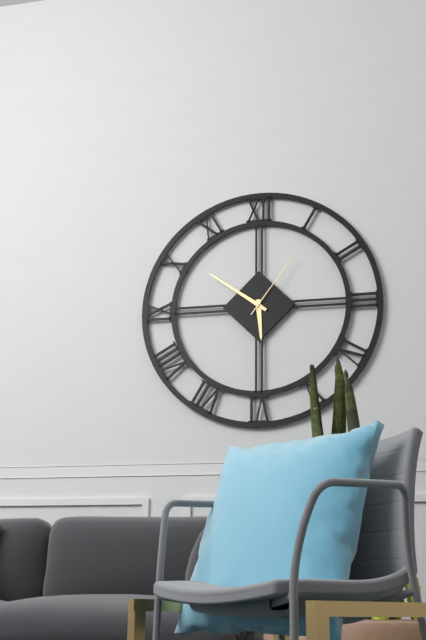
5:51:06
